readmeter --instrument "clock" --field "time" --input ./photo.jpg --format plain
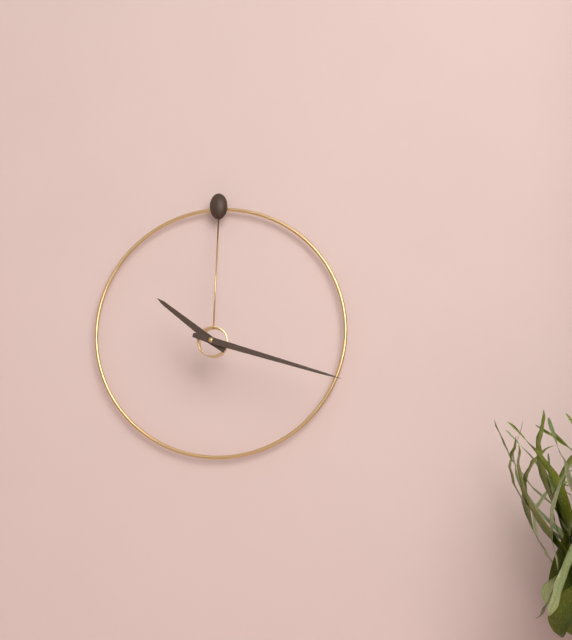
10:18
